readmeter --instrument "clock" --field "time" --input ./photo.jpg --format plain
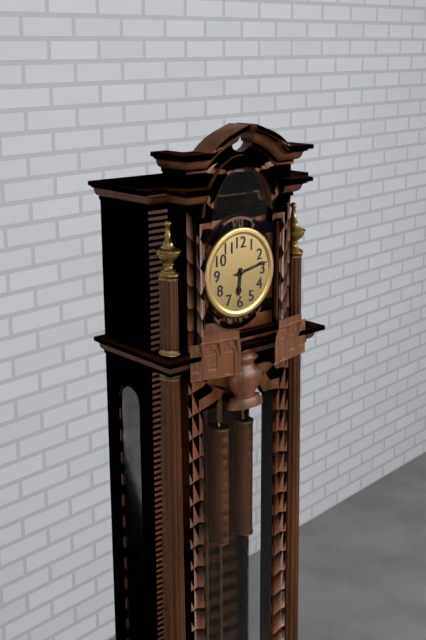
6:13
